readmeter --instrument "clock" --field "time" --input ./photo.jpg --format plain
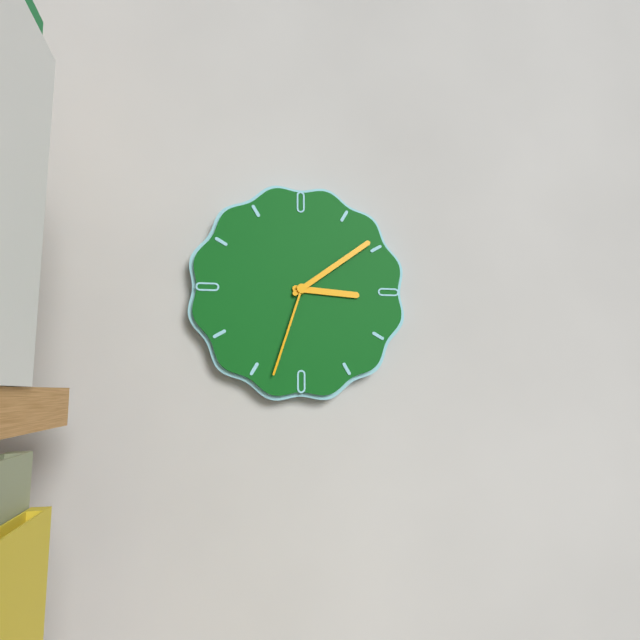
3:09:33
